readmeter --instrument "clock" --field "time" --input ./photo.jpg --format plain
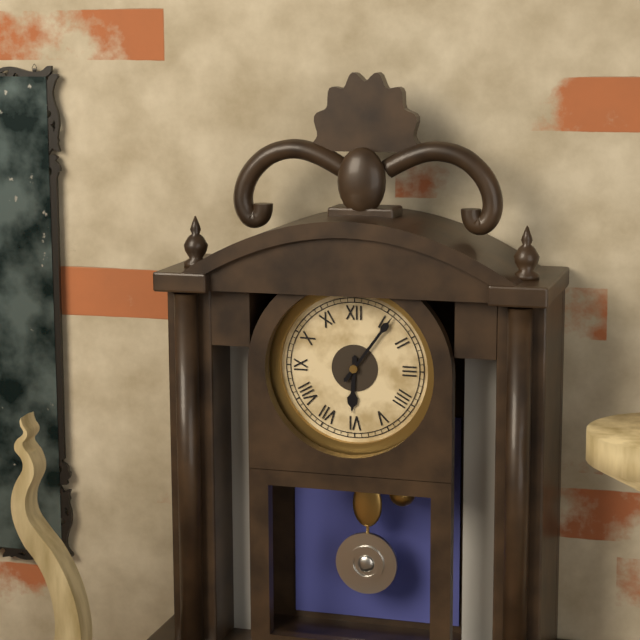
6:06
